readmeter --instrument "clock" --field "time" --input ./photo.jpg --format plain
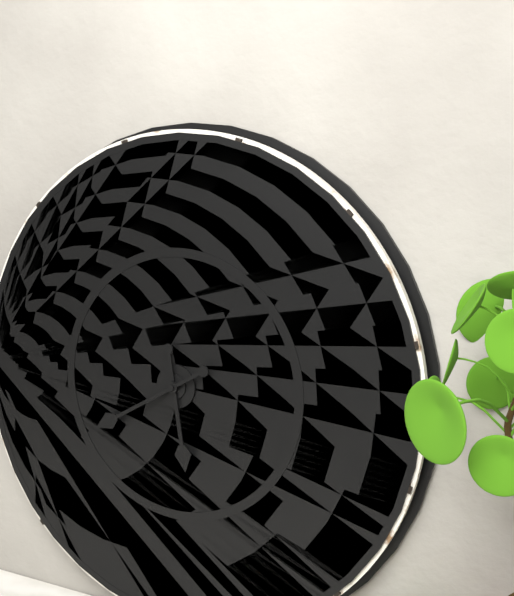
5:40
